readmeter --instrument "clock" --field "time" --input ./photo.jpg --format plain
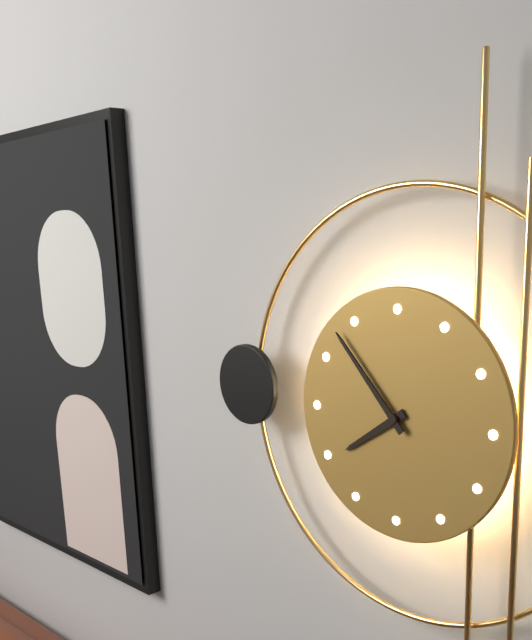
7:53
